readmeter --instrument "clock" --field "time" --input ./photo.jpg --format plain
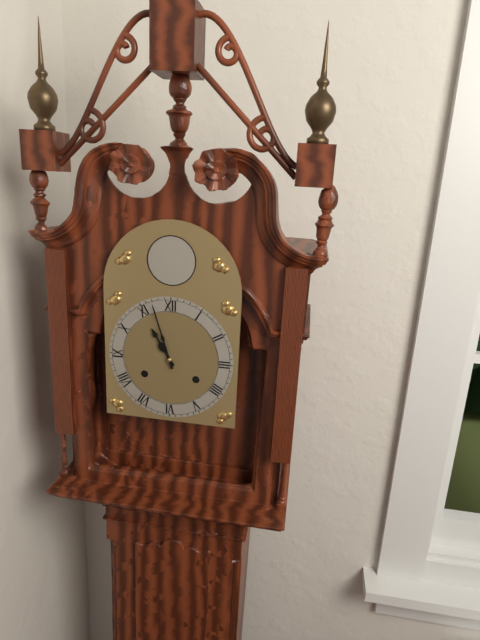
10:57
